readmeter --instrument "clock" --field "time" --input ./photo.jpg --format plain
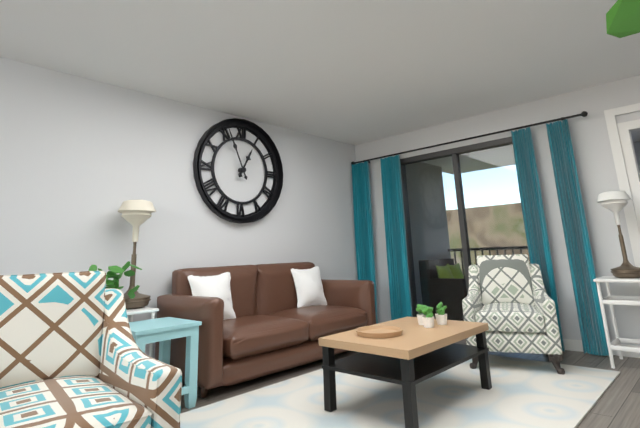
12:56
